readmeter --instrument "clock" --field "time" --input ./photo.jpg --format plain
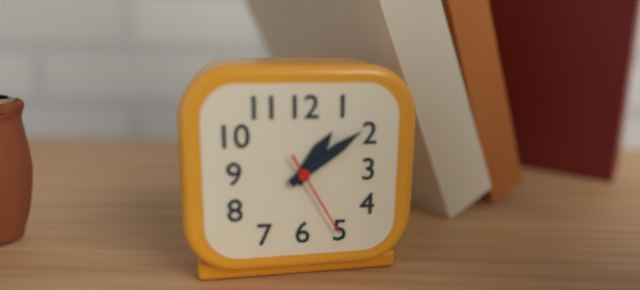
1:09:25
